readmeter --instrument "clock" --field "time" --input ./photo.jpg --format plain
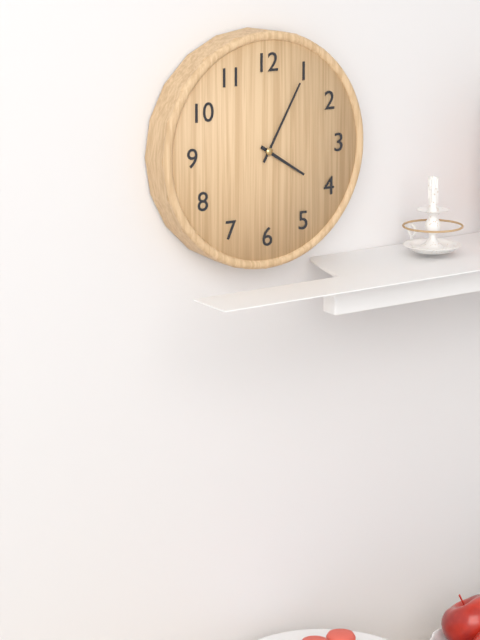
4:05
